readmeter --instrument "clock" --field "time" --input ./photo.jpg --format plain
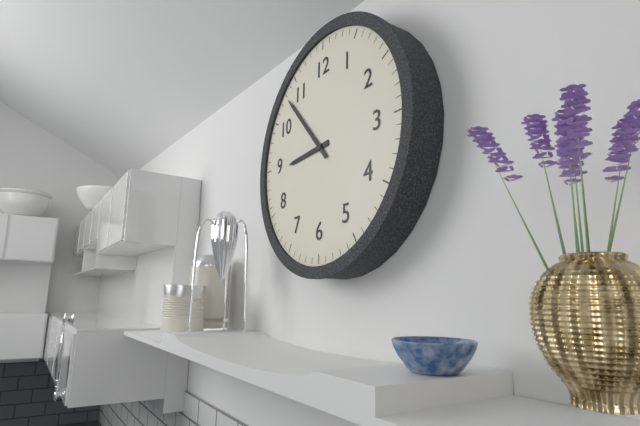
8:53
